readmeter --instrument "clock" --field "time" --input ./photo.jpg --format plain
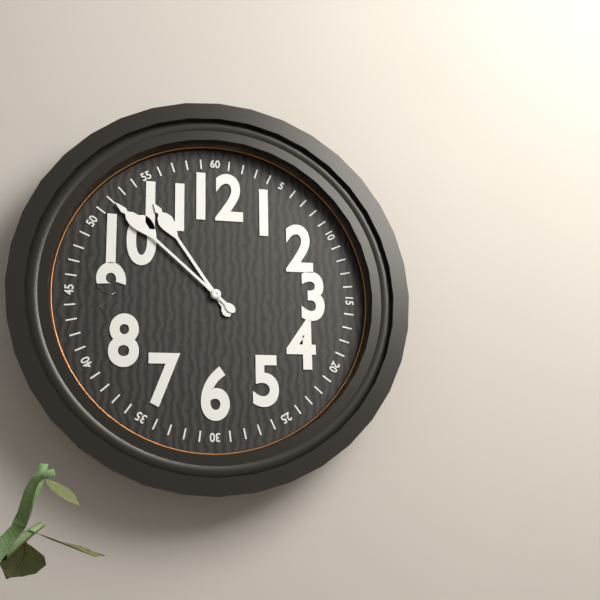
10:52
